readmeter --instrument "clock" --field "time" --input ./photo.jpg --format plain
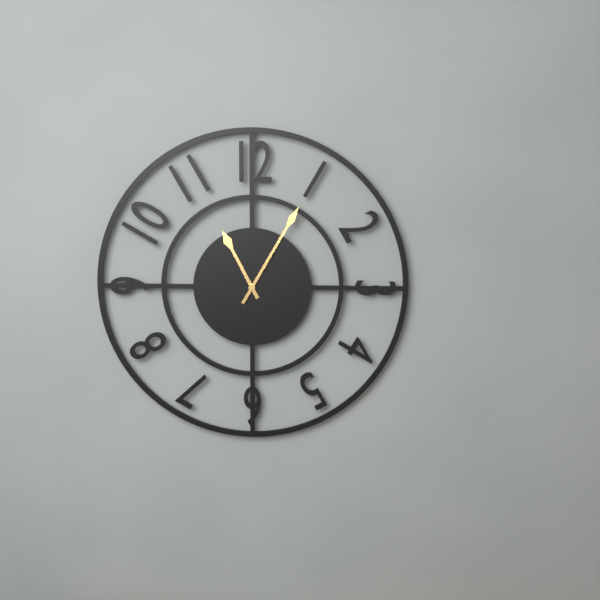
11:05
